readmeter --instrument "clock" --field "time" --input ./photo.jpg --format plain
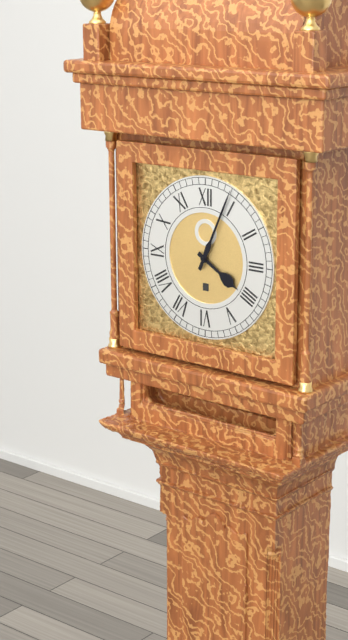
4:04
